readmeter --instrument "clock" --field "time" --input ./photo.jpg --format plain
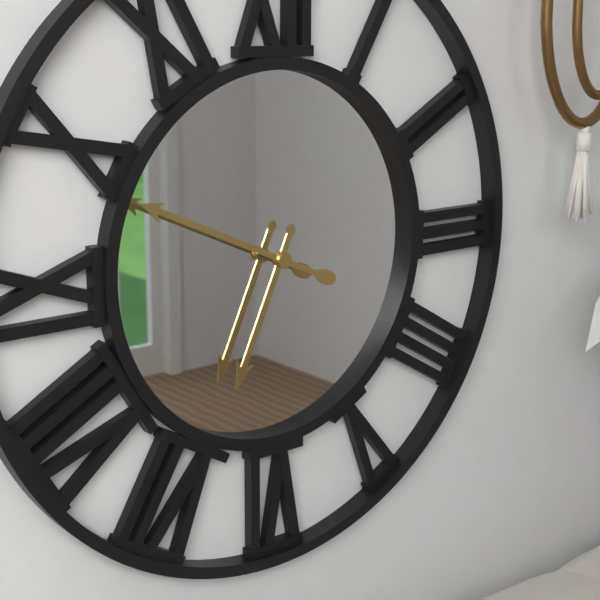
6:49
